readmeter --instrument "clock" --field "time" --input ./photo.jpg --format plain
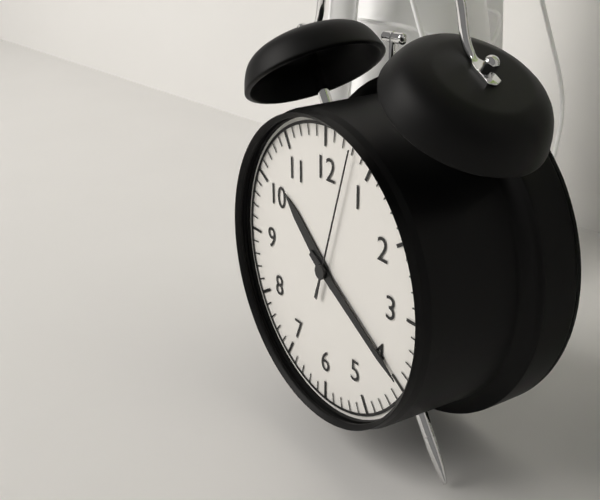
10:20:03
